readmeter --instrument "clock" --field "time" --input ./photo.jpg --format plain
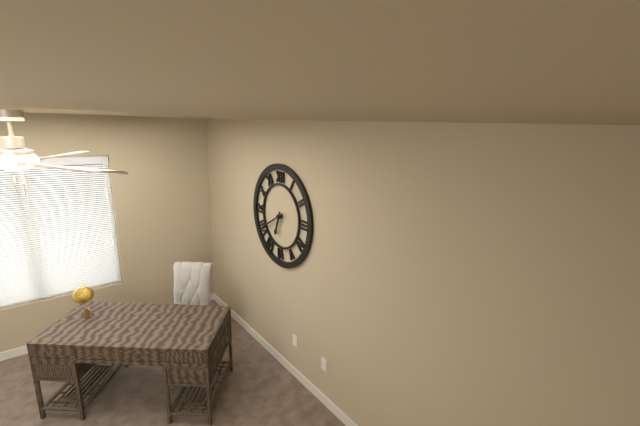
6:40
